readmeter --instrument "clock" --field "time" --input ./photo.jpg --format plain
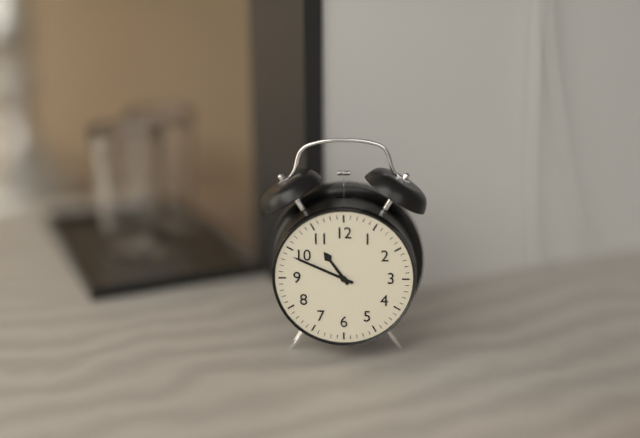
10:49
